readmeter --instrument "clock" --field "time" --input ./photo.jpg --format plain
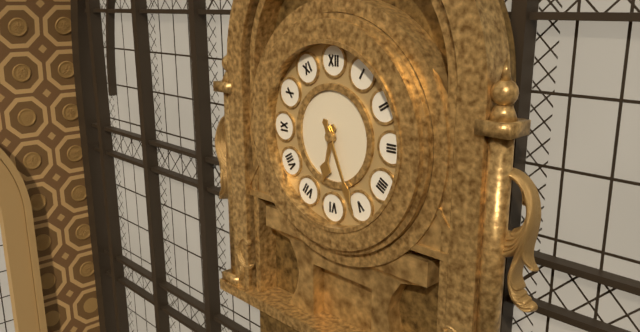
6:26
